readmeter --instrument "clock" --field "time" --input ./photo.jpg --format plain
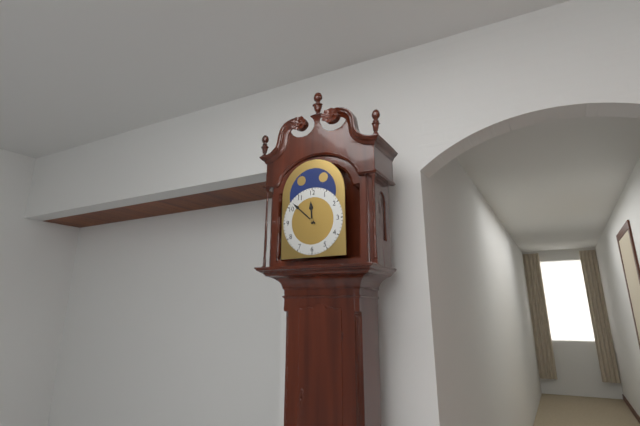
11:52
